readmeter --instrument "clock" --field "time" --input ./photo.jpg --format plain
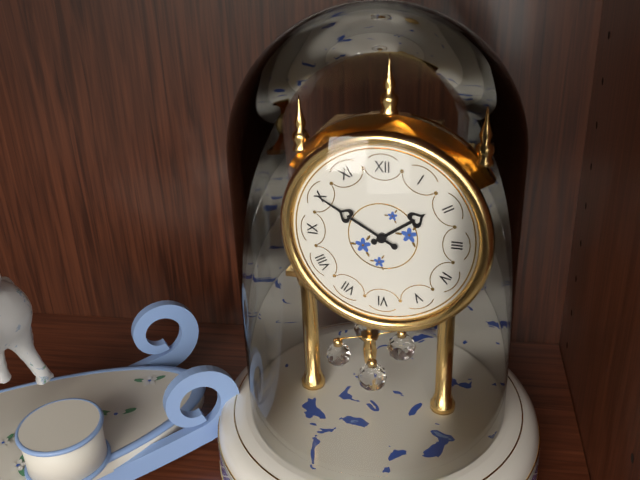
1:50
